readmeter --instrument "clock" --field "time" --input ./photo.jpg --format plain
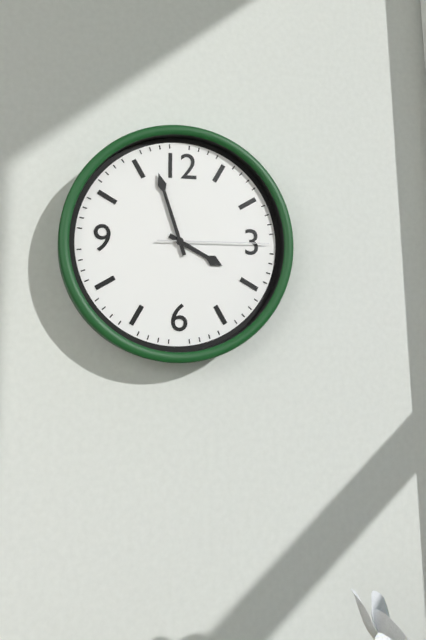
3:57:15
